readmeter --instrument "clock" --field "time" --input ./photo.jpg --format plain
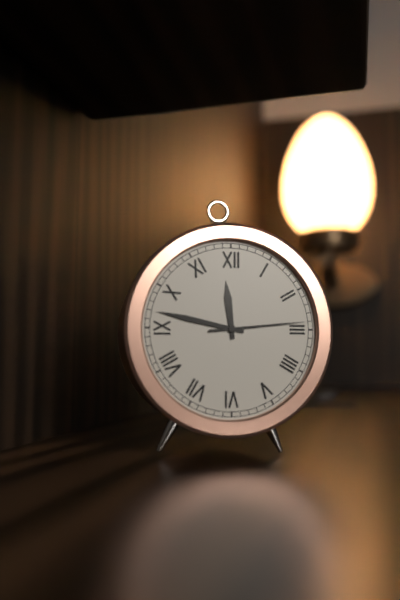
11:47:14
